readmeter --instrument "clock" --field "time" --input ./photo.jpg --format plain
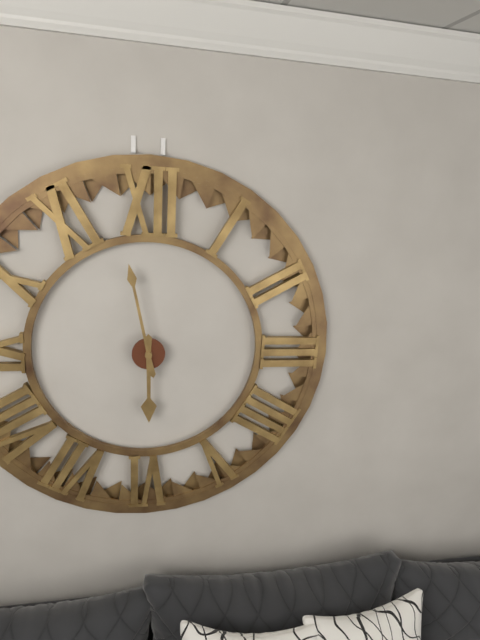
5:58
